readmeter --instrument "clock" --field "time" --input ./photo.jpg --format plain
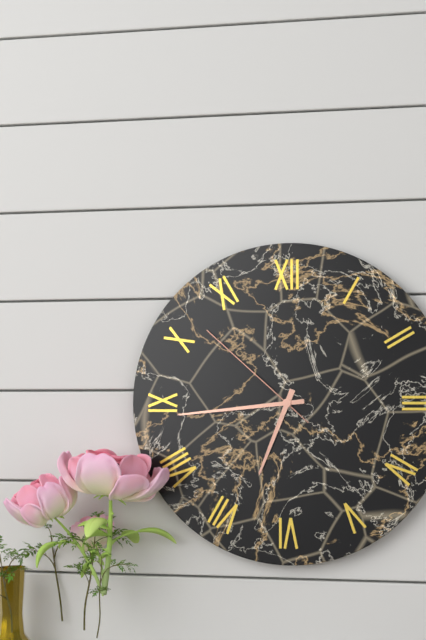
6:44:52
